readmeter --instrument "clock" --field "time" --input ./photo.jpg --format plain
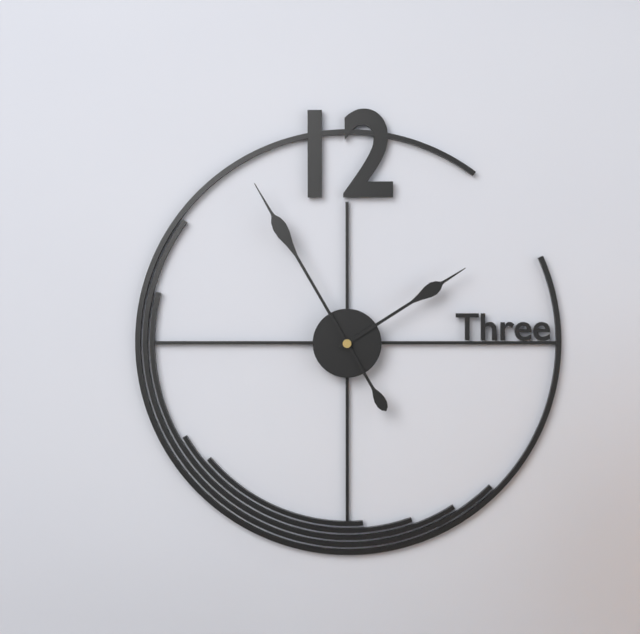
1:55
